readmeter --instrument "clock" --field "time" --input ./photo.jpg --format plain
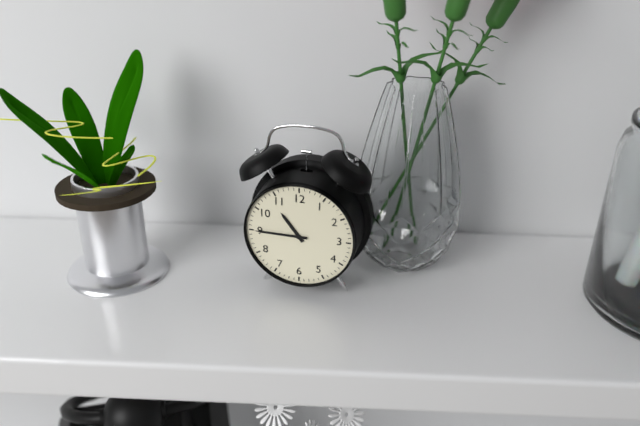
10:45
